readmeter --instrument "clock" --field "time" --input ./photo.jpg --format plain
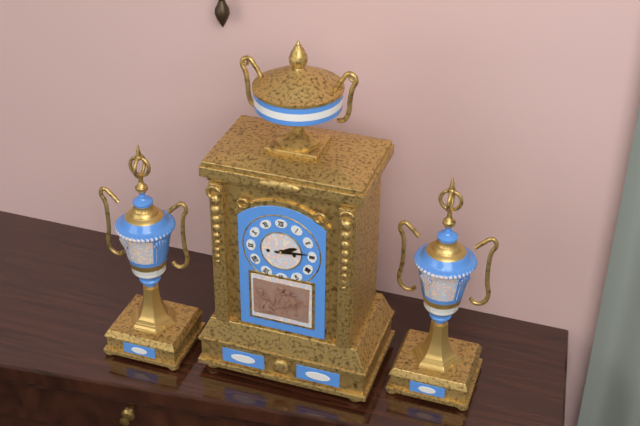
2:14
